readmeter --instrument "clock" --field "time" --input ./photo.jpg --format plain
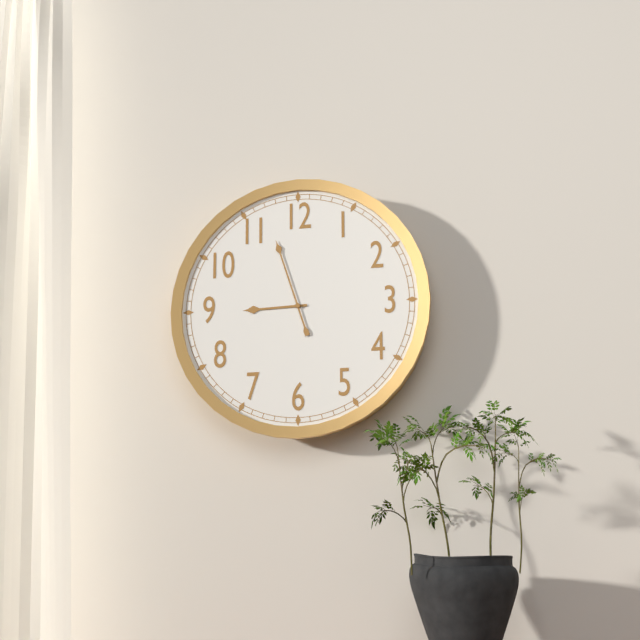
8:57
